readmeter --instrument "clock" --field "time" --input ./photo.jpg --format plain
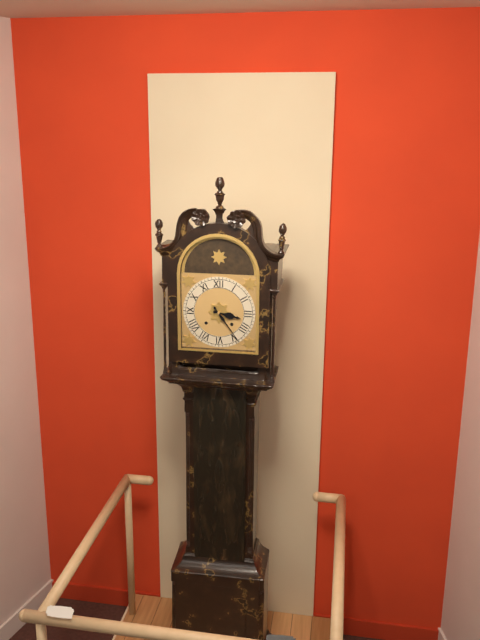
3:24
